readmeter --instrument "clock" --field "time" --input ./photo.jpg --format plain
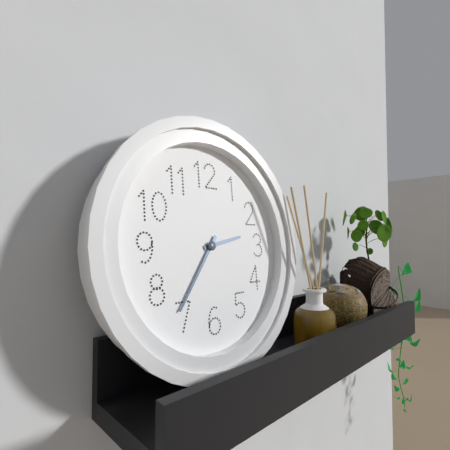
2:36
